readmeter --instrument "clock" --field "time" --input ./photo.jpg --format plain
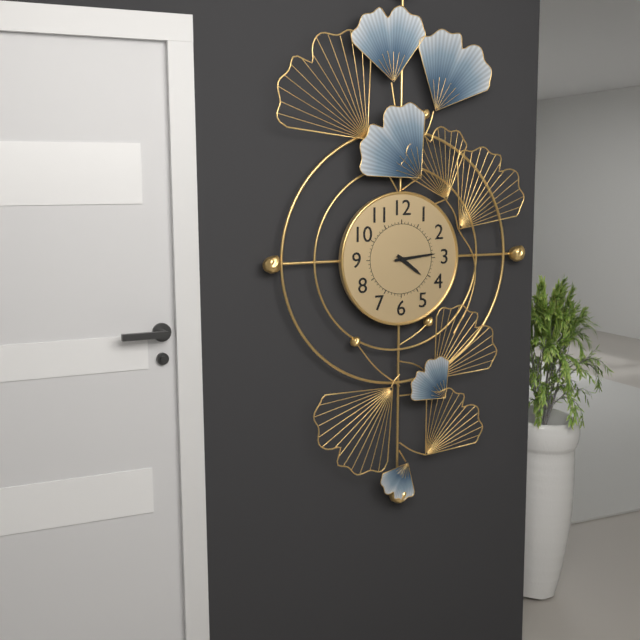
4:14
